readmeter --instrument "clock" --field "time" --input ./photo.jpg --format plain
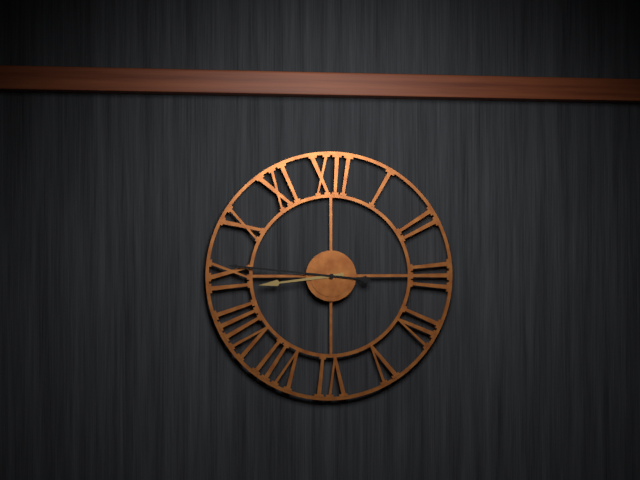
8:46
